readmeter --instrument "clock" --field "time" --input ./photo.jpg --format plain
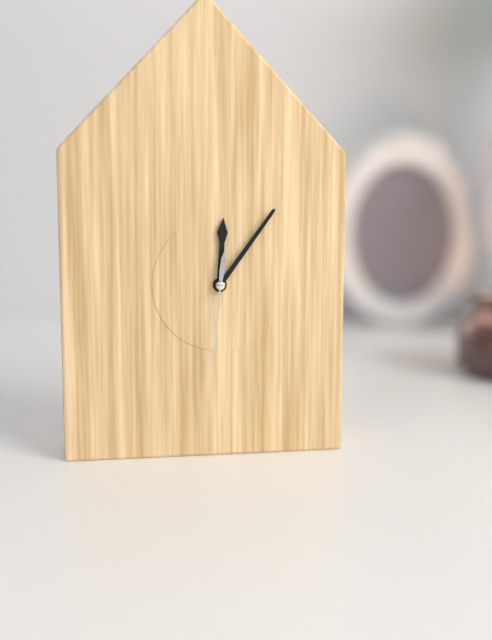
12:06:31
